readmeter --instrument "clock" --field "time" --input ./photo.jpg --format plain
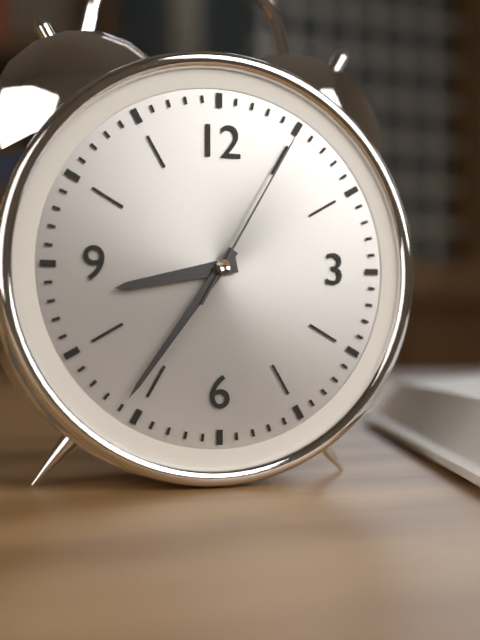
8:36:05
